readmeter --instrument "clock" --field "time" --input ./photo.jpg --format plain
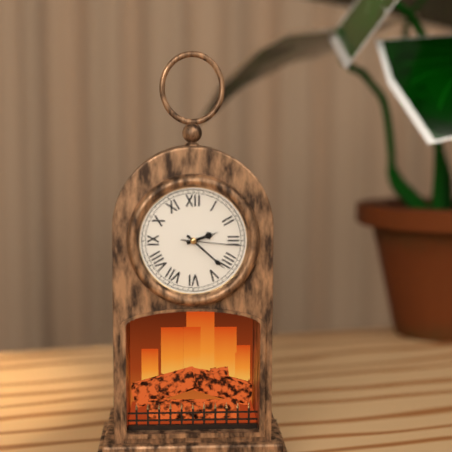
2:22:16
